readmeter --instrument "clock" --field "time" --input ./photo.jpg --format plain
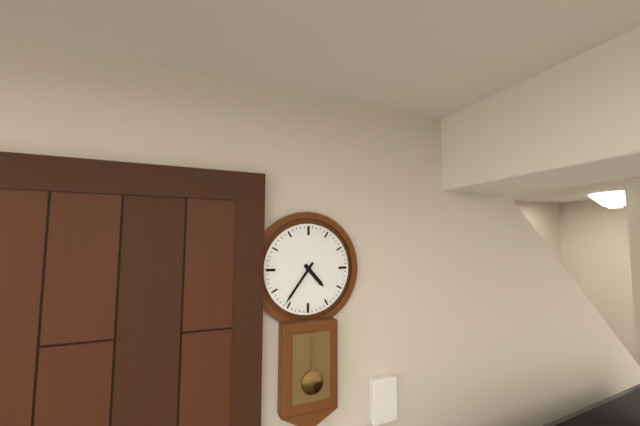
4:36
